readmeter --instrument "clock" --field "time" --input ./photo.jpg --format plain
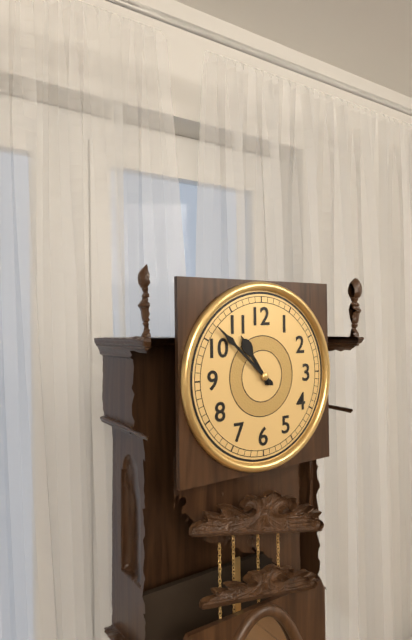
10:52
